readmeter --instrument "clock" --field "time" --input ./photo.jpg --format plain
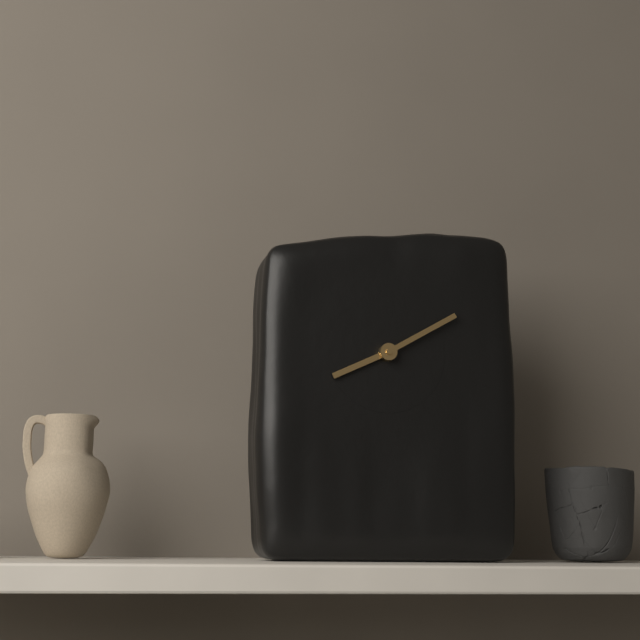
8:10
